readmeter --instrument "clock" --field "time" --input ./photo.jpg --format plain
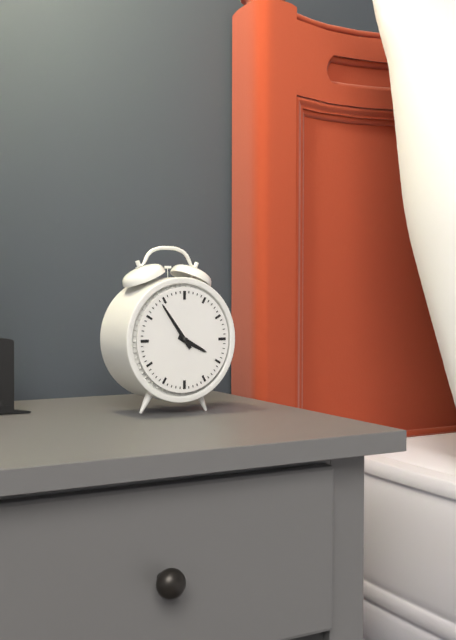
3:54
